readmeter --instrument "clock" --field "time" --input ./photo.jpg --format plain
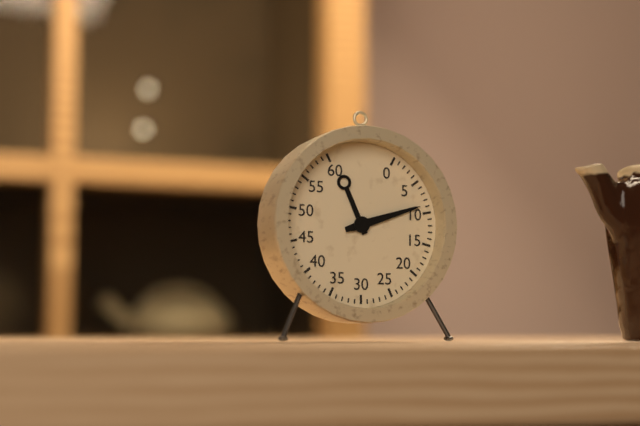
11:12
